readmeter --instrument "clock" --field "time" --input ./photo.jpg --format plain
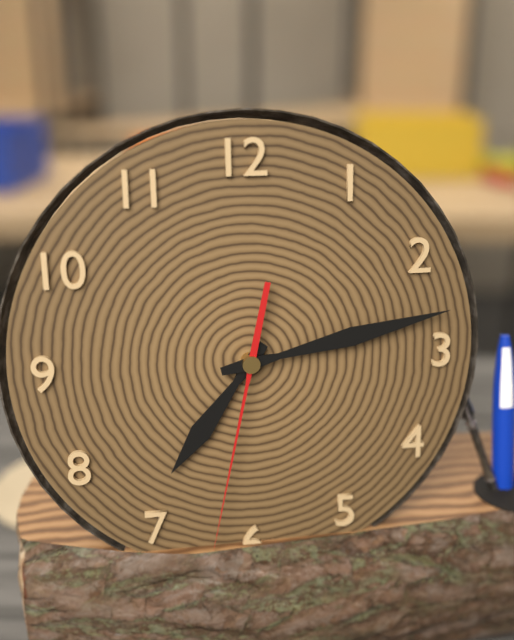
7:13:32
